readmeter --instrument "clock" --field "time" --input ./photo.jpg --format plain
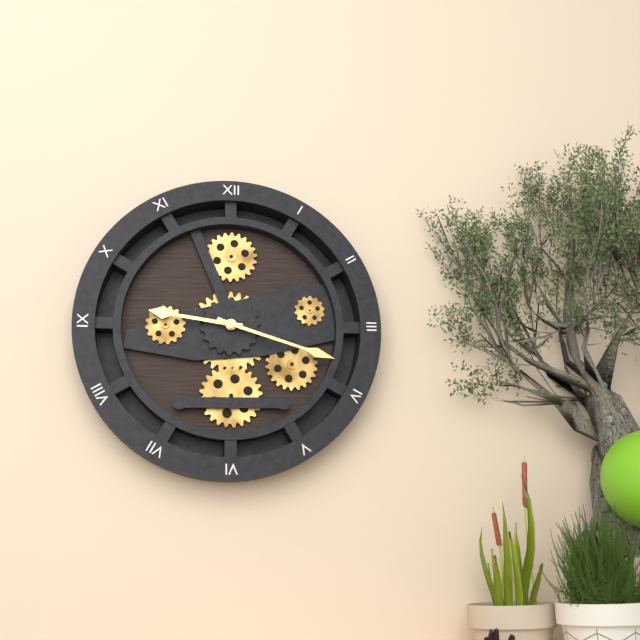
9:18
